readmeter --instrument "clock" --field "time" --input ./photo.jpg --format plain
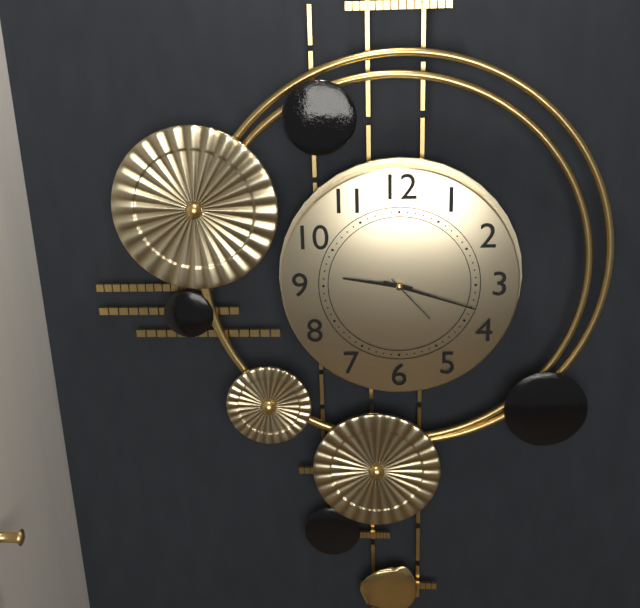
9:18:23
